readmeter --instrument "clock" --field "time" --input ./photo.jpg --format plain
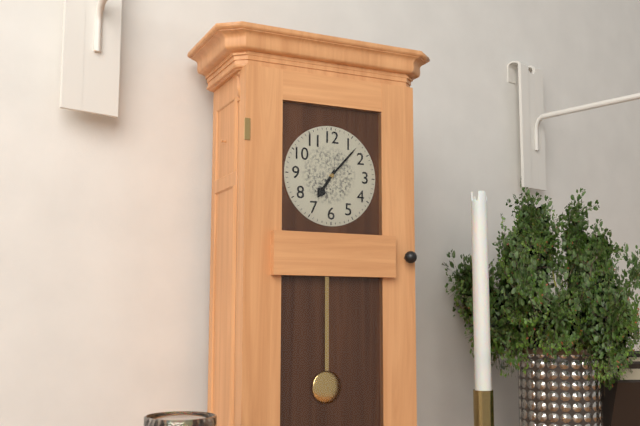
7:07
